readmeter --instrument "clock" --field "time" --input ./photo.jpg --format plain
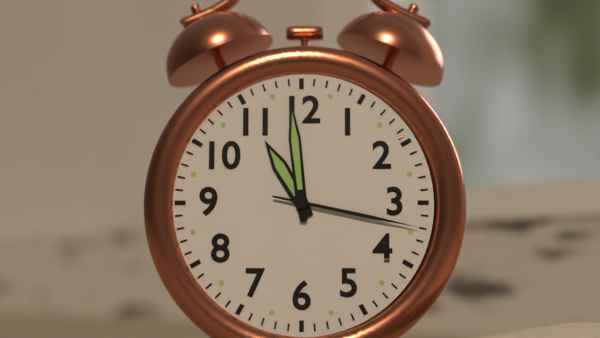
10:59:17
